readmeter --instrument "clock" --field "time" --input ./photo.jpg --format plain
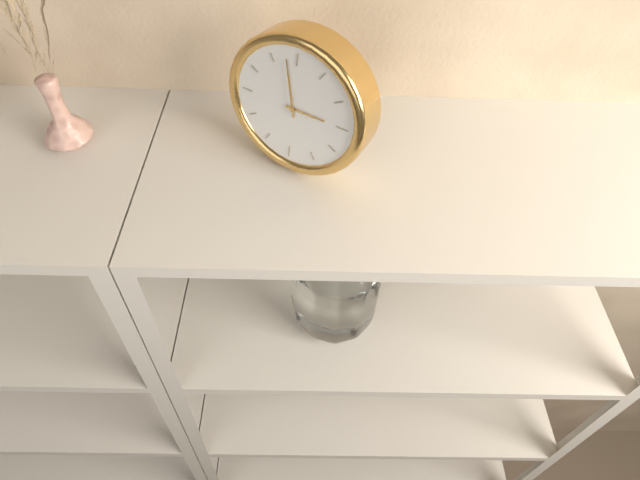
2:58
